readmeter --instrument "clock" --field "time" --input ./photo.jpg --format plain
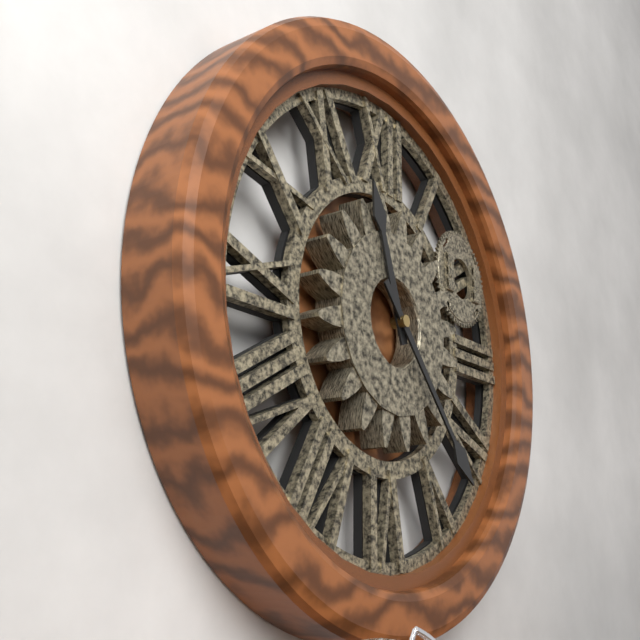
11:23
